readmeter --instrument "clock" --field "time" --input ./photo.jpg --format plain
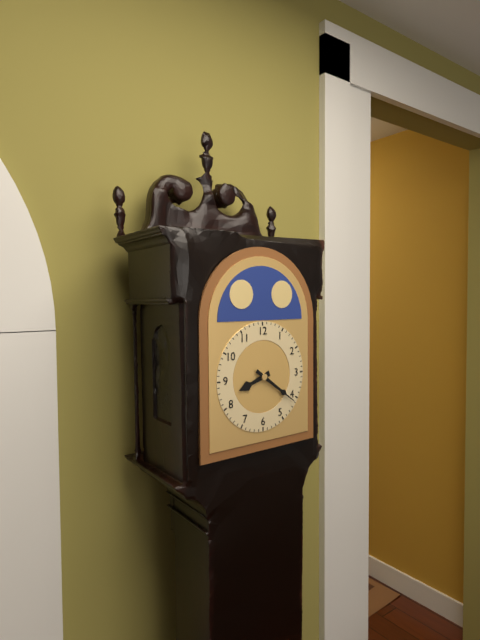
8:21
